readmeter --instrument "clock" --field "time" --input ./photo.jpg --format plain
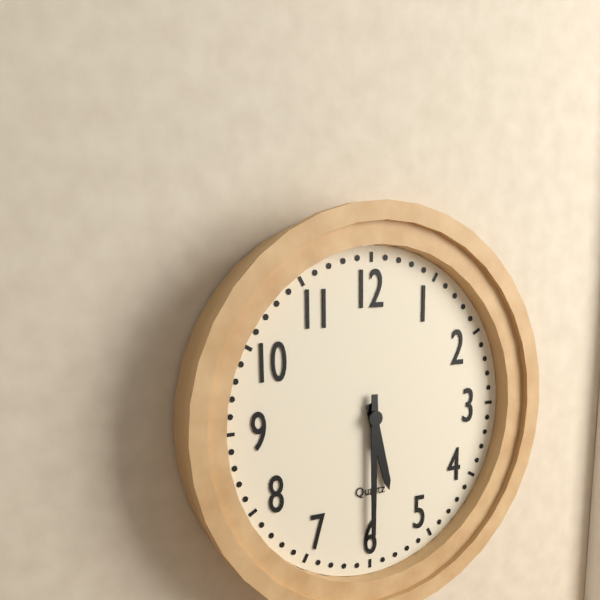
5:30
